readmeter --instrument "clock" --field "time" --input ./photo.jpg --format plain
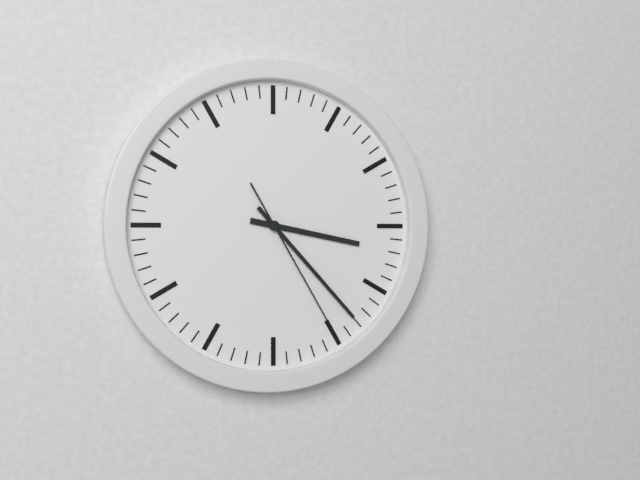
3:23:25
